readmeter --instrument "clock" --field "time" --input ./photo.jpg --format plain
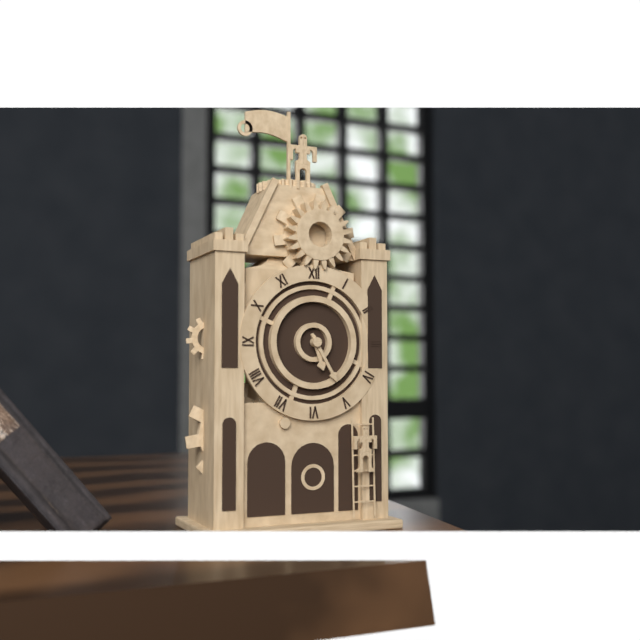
5:25
